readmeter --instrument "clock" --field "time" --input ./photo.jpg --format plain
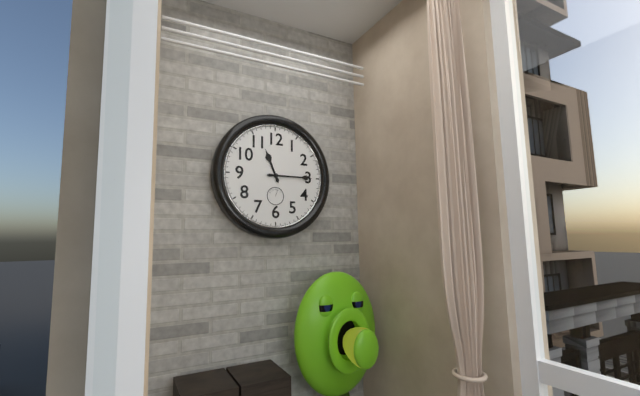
11:15
